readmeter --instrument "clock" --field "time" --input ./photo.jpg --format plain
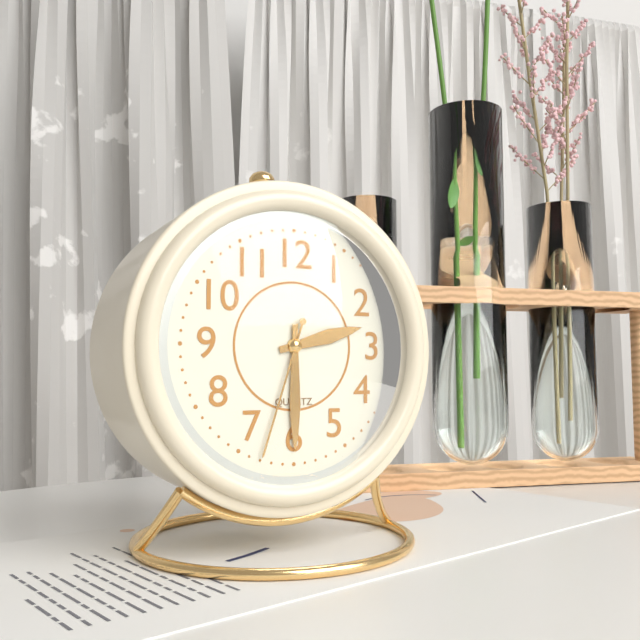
2:30:33
